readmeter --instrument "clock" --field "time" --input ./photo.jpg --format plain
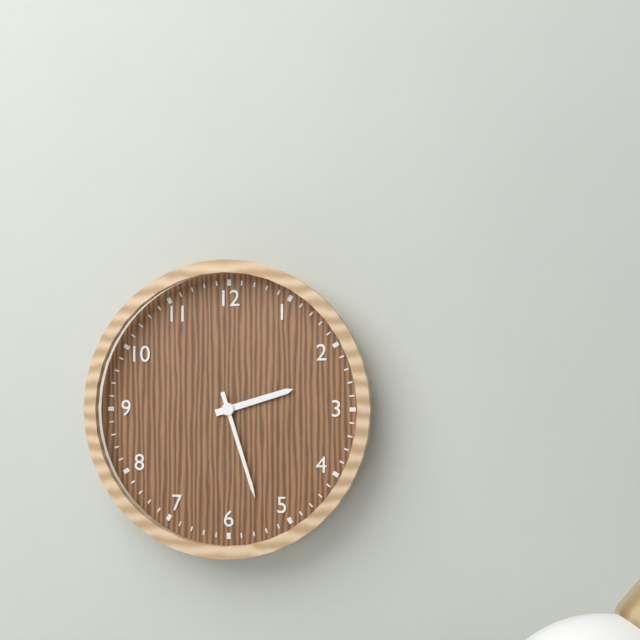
2:27
